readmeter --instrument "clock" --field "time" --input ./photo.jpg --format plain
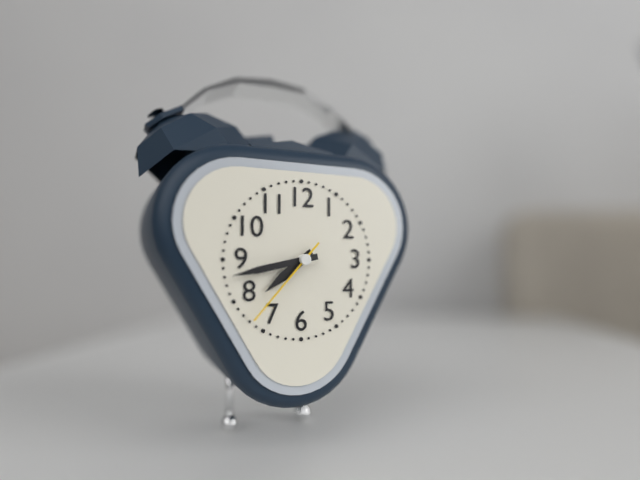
7:43:37
